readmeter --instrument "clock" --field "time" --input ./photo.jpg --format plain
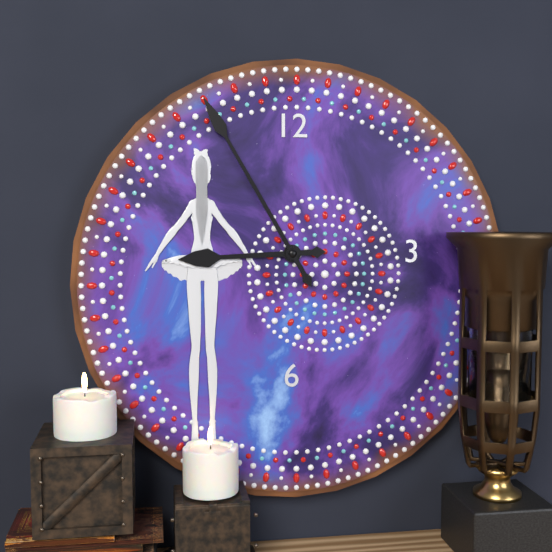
8:55
